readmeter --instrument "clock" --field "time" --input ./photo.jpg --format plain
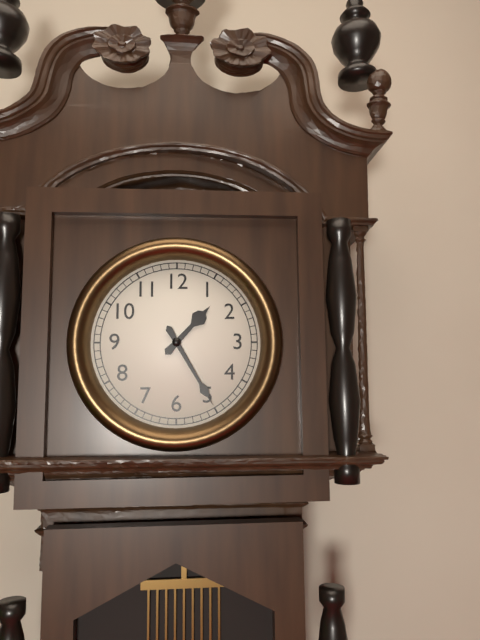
1:25
